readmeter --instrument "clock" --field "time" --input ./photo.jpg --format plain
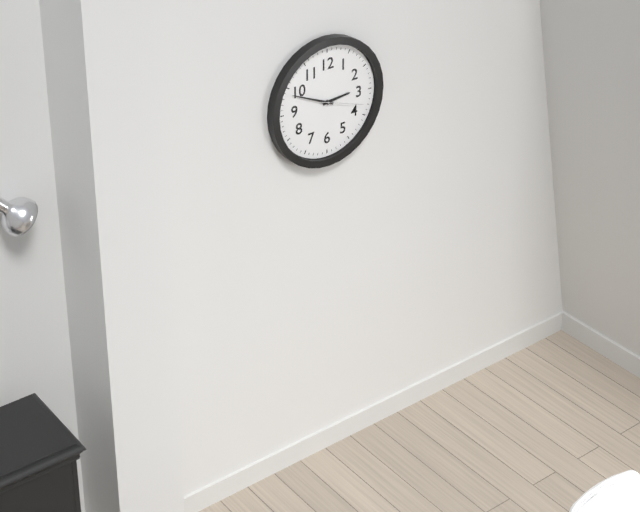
2:49:18
